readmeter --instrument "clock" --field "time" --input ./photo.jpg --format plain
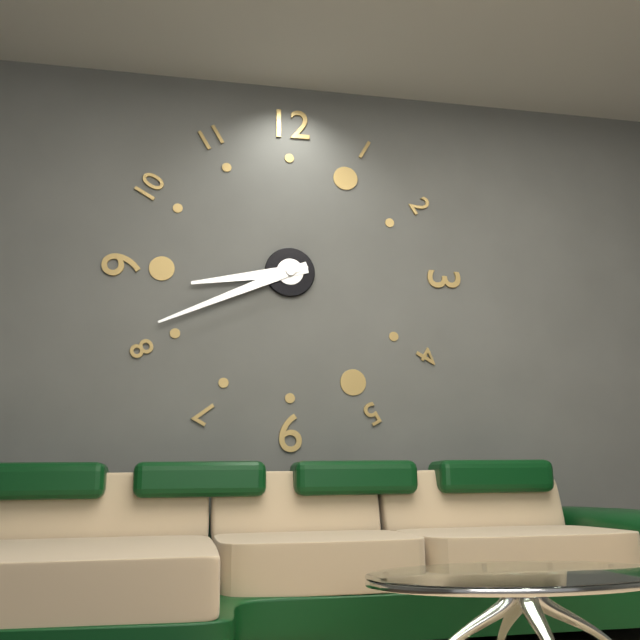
8:41
